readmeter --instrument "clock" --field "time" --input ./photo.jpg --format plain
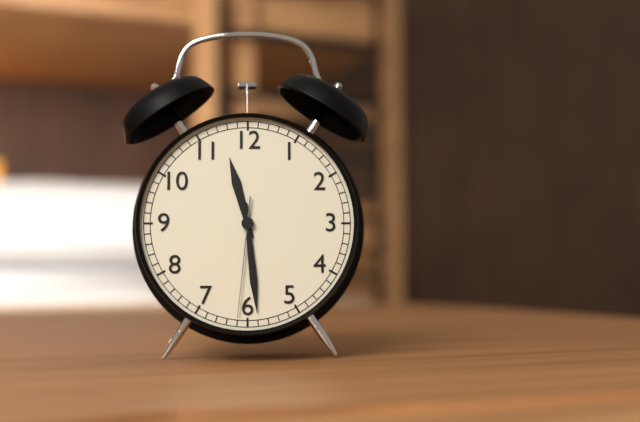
11:29:31
